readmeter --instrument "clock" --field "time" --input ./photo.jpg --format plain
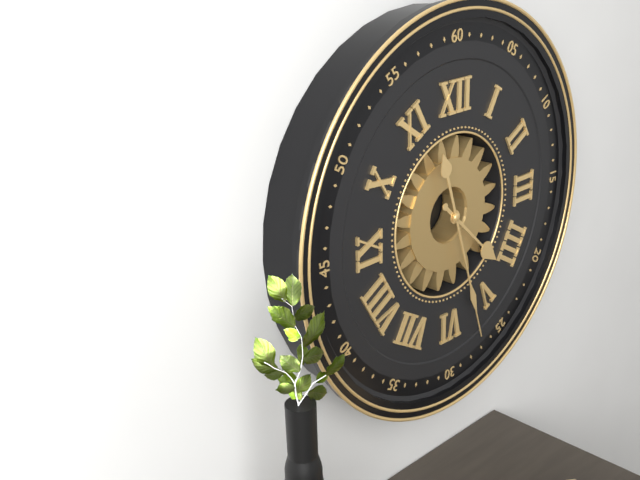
4:27
